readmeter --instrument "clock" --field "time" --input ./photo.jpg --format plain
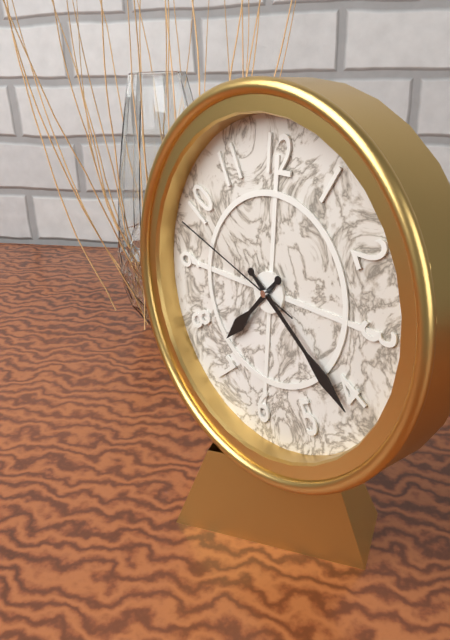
7:21:48
